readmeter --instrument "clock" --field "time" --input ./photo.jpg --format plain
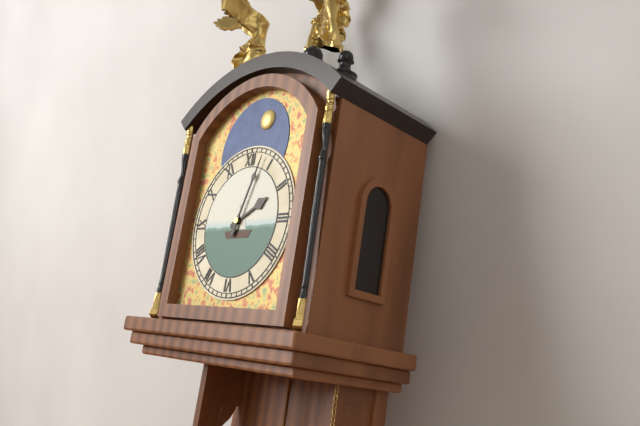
2:03
